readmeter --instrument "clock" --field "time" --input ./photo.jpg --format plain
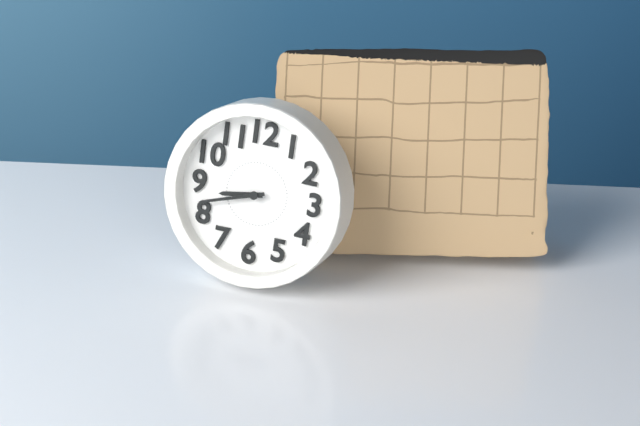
8:42
